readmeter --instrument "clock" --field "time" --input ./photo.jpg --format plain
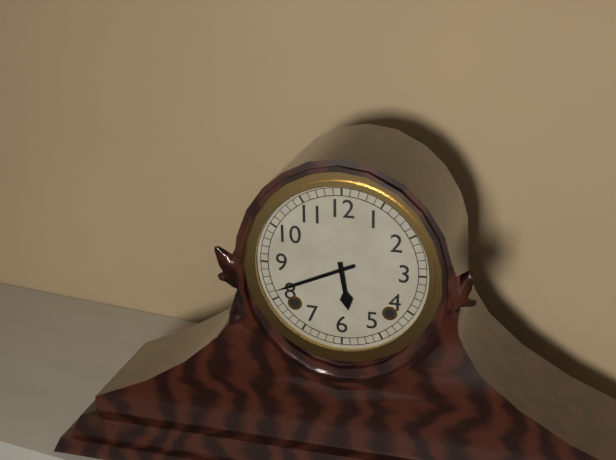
5:41
